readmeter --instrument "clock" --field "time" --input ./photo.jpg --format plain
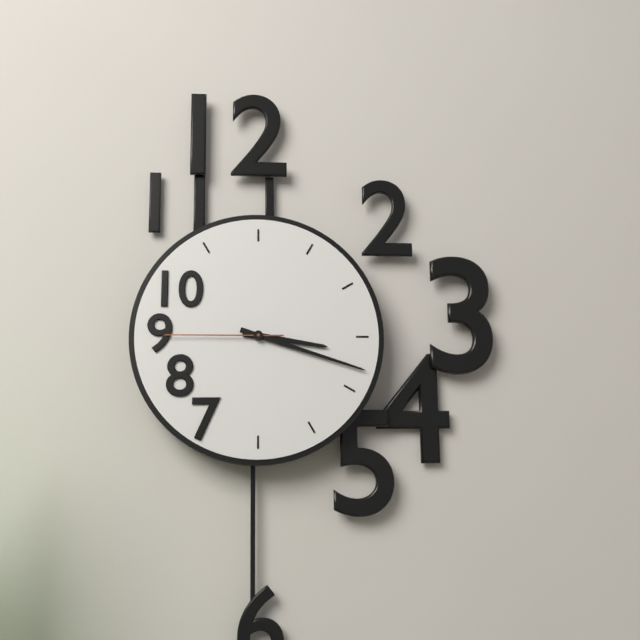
3:18:45
